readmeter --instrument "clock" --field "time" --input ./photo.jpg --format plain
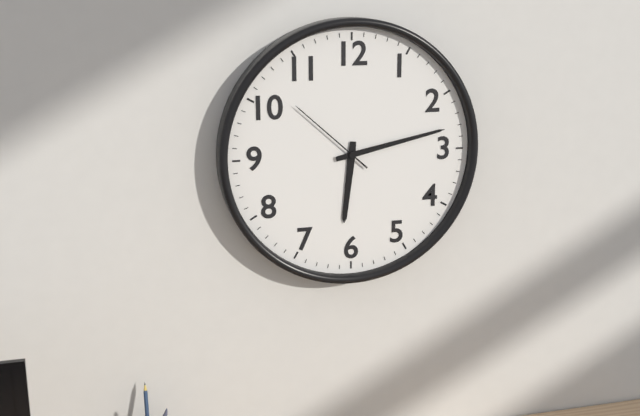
6:13:52
